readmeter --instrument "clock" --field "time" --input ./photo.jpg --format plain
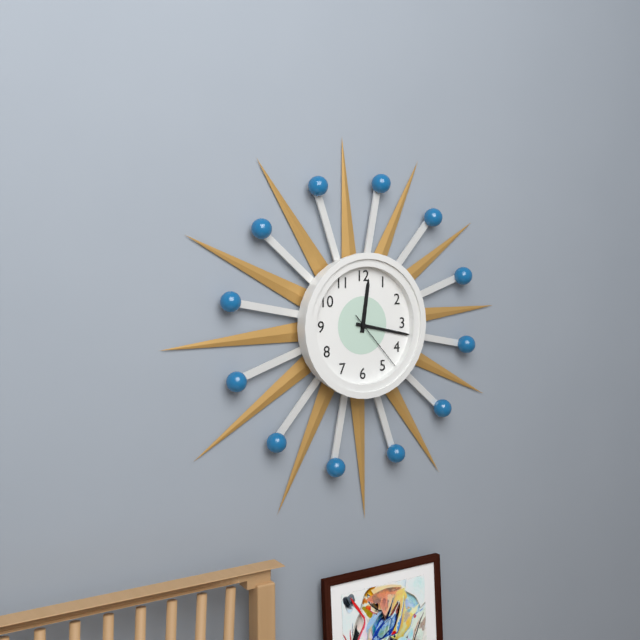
12:17:23
